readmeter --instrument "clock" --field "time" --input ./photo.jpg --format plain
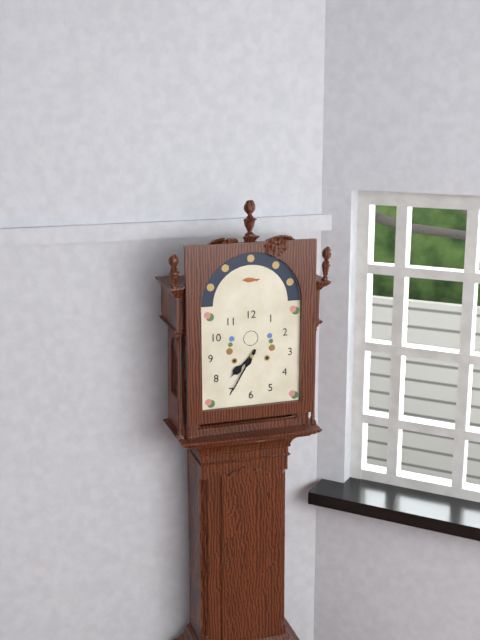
7:35
